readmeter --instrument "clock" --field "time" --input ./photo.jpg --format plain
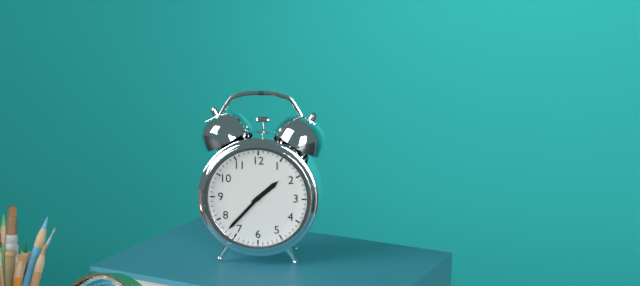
1:37
